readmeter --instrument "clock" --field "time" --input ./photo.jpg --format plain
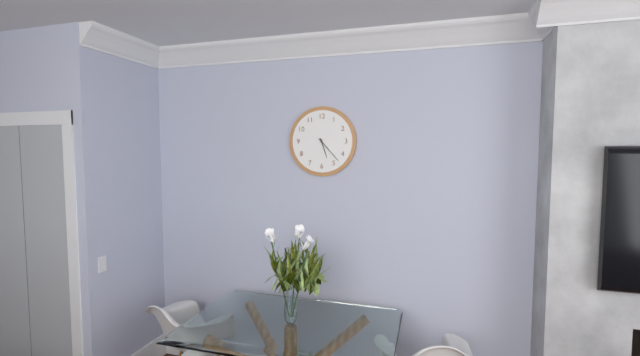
5:23
